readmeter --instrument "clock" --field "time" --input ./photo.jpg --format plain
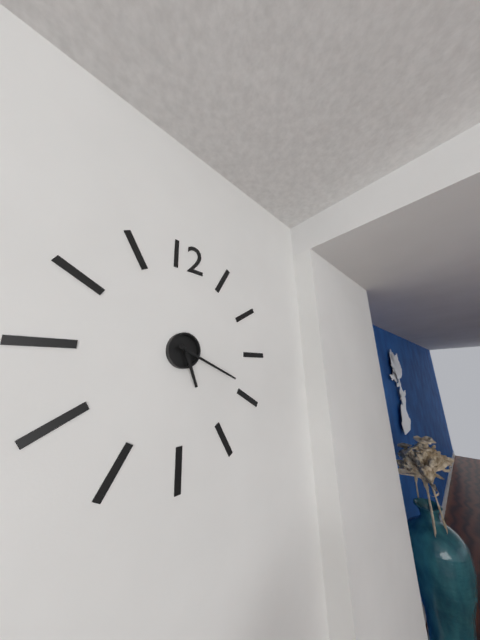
5:19
